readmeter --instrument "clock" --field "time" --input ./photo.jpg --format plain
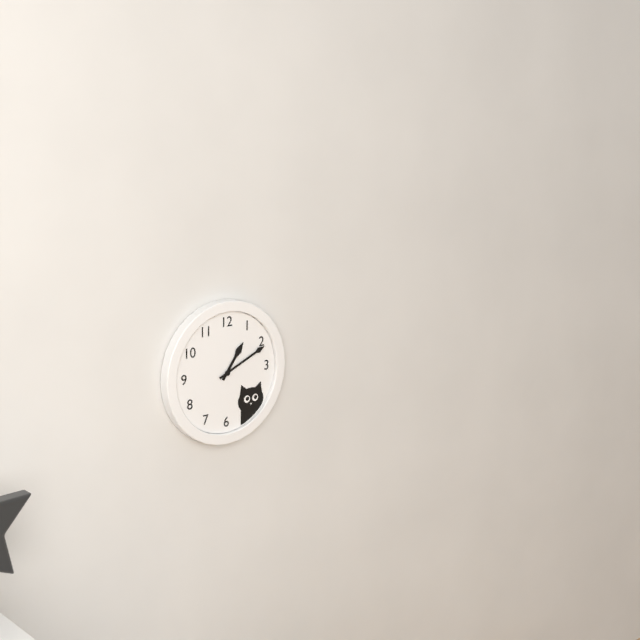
1:11
